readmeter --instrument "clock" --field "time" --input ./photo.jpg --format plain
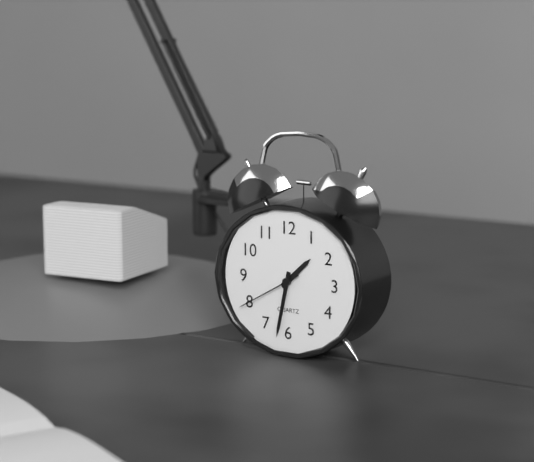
1:32:40
